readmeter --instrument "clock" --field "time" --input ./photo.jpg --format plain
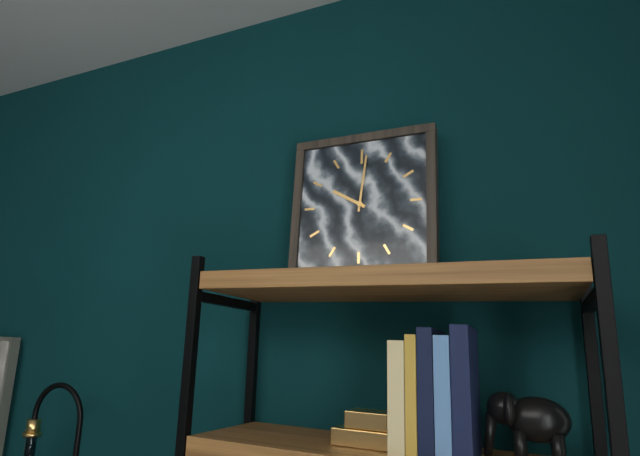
10:01
